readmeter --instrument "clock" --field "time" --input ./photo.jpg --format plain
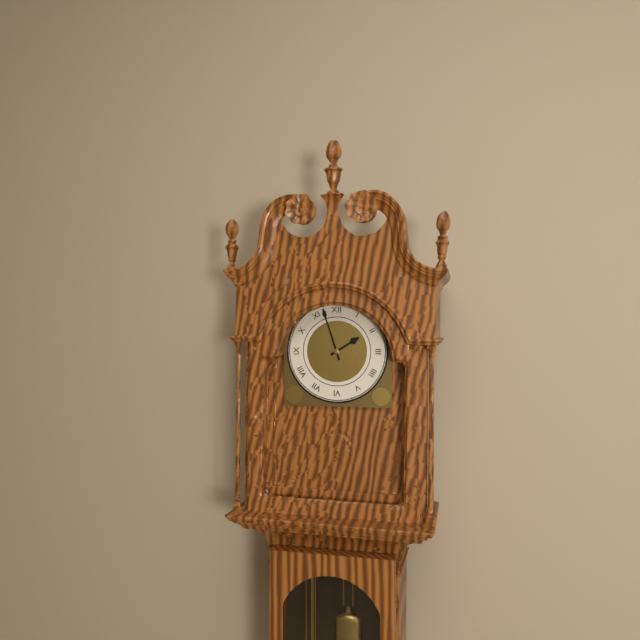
1:57
